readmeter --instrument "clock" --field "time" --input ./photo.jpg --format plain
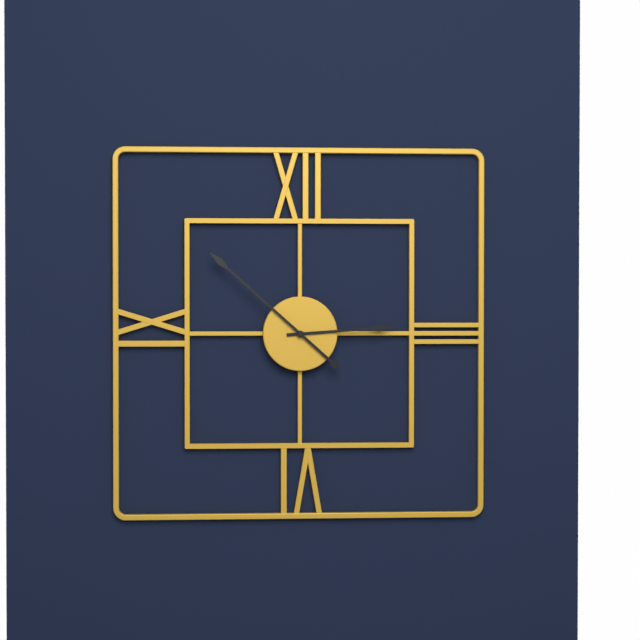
2:52
